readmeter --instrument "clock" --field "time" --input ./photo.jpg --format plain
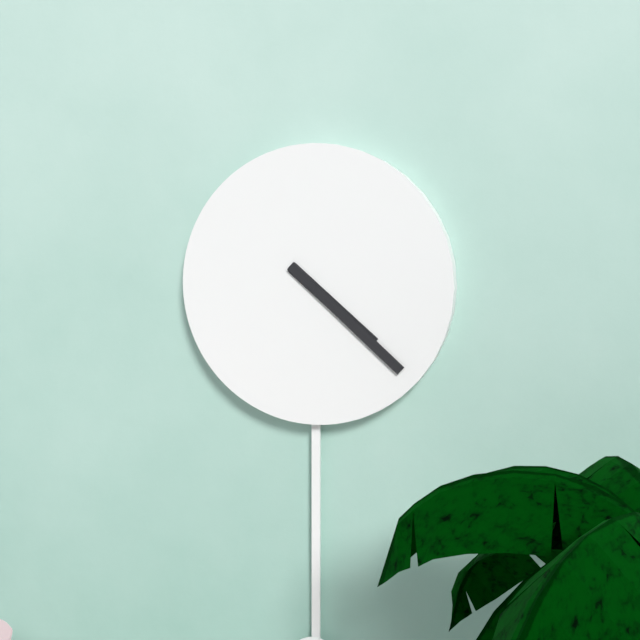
4:22
